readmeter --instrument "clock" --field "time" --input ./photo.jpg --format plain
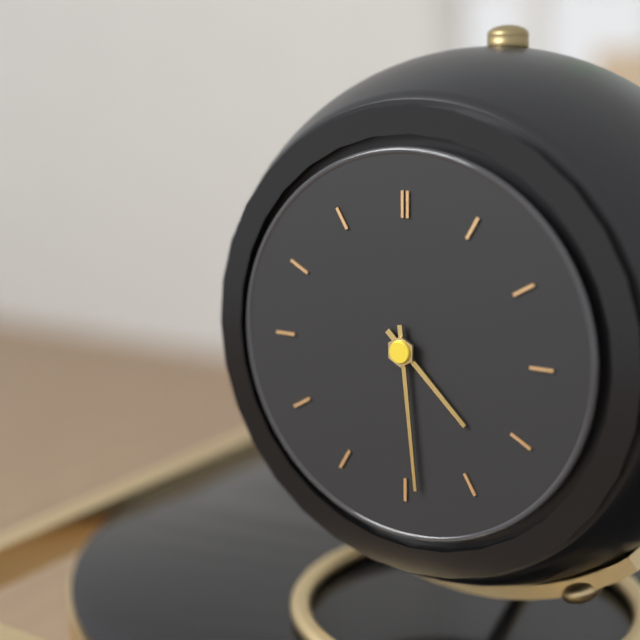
4:29
